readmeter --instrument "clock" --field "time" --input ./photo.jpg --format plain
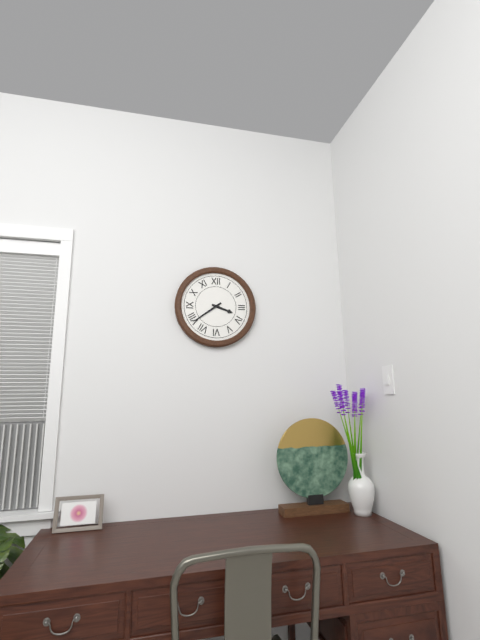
3:39
